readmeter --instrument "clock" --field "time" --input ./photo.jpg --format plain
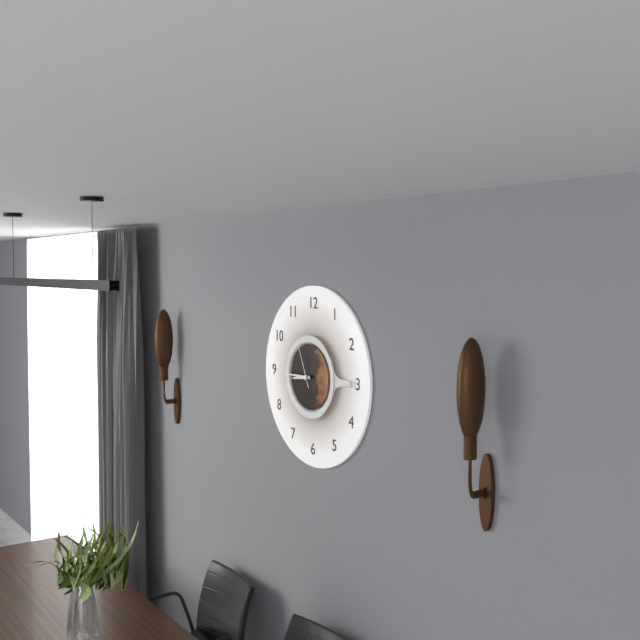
8:45:56
